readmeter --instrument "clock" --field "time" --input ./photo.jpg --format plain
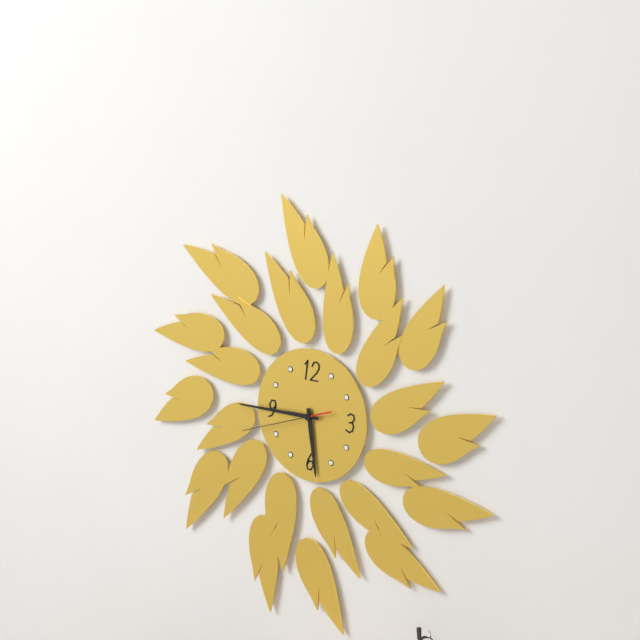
5:45:42
